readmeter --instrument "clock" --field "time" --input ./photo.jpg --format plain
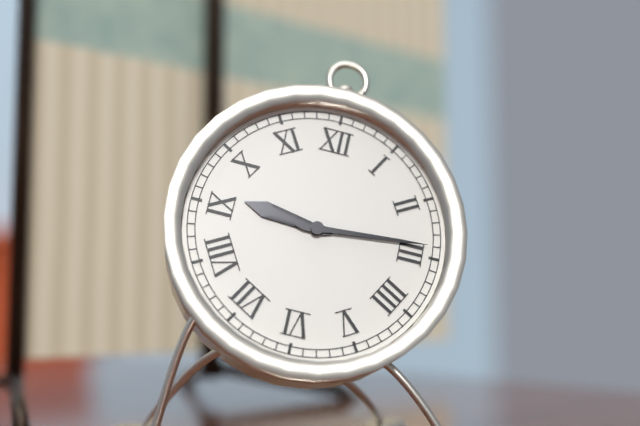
9:14
